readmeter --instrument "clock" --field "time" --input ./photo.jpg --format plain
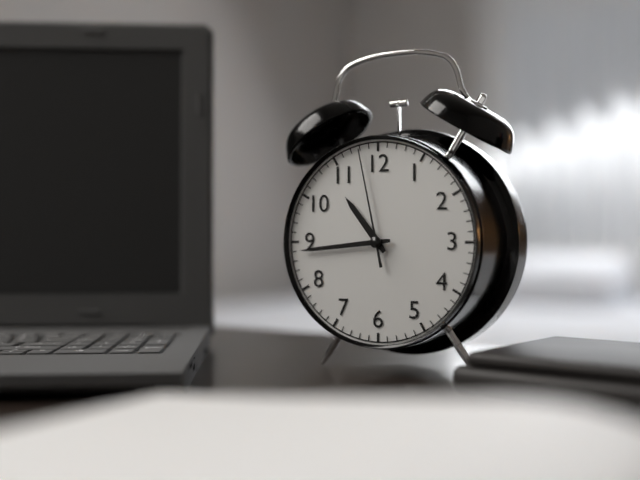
10:44:58
